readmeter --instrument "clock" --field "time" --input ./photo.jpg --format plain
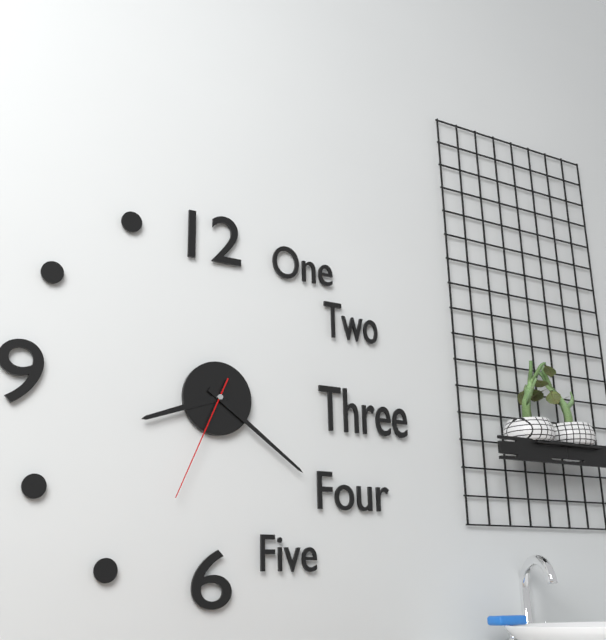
8:21:34
